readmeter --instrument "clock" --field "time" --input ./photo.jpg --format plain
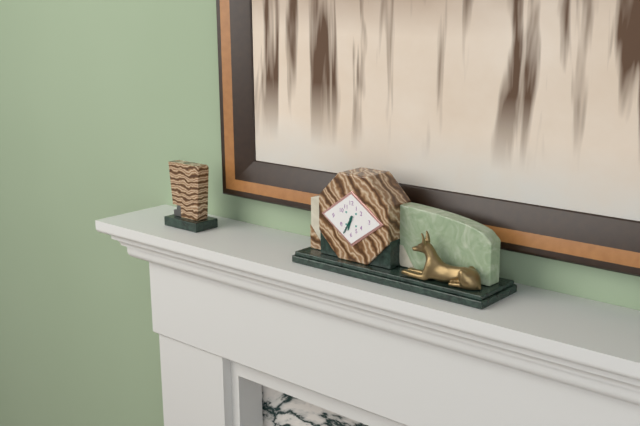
6:35
